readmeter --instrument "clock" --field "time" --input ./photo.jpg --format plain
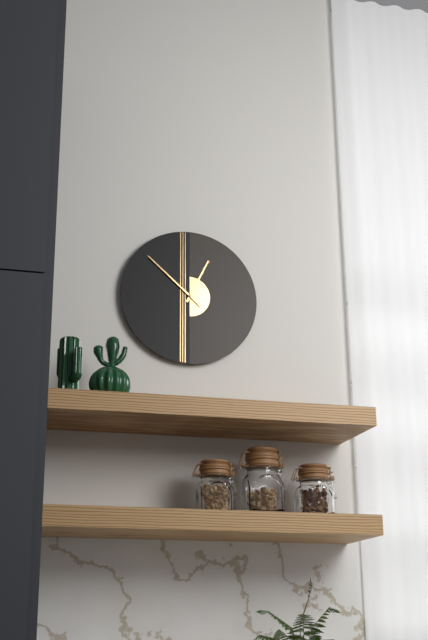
12:52
